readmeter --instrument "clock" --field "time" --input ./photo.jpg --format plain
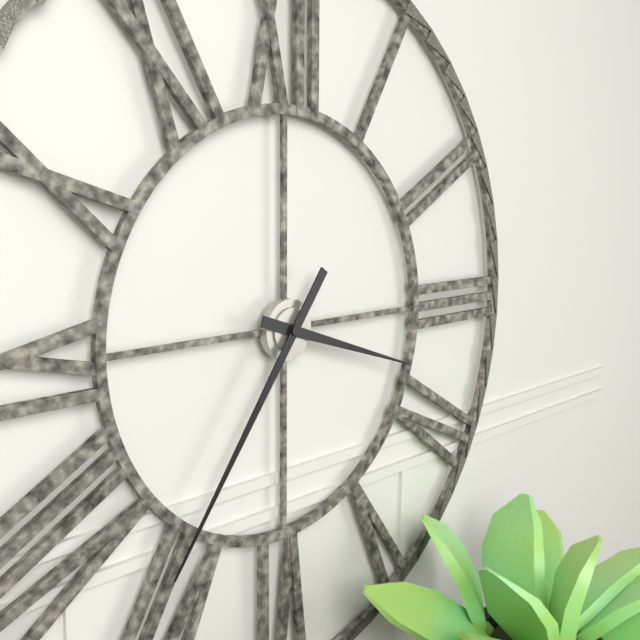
3:36
